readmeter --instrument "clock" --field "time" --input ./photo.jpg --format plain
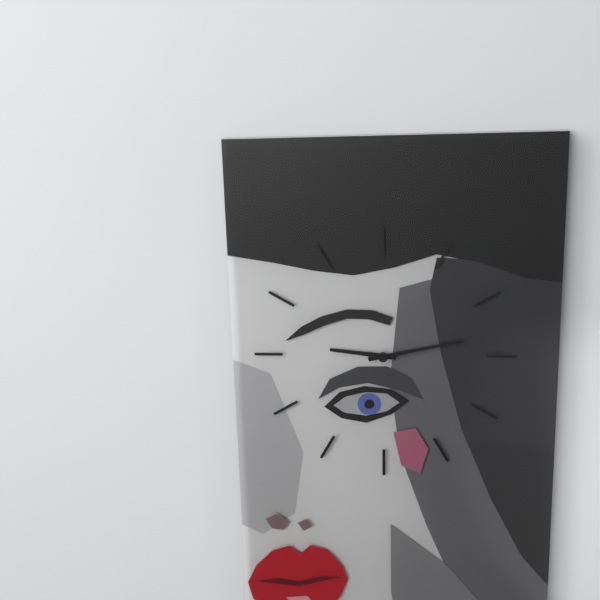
9:13
